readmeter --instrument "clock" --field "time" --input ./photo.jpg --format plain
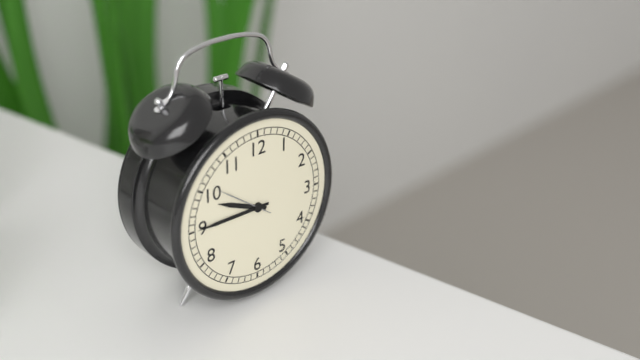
9:45:51
